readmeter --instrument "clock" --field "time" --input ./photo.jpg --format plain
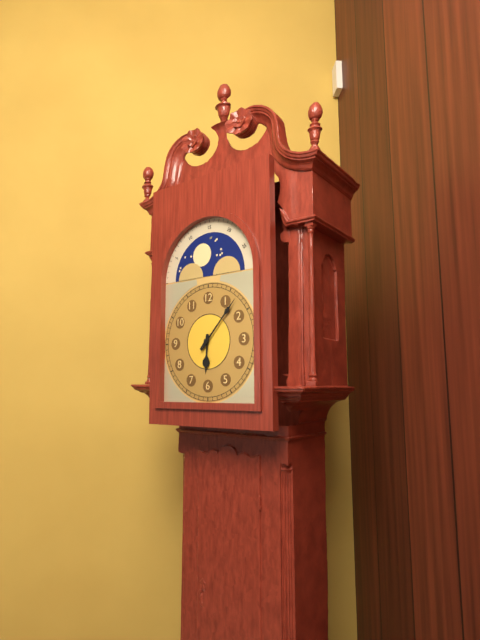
6:07
